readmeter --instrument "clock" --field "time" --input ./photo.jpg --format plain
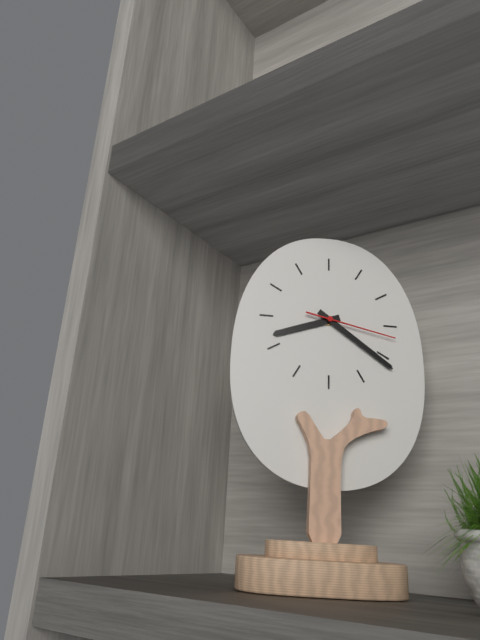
8:21:17
